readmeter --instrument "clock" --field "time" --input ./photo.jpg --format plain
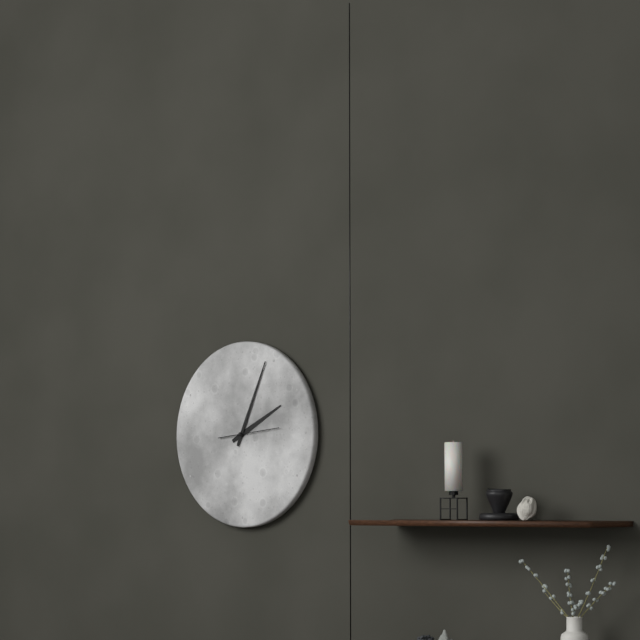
2:04
